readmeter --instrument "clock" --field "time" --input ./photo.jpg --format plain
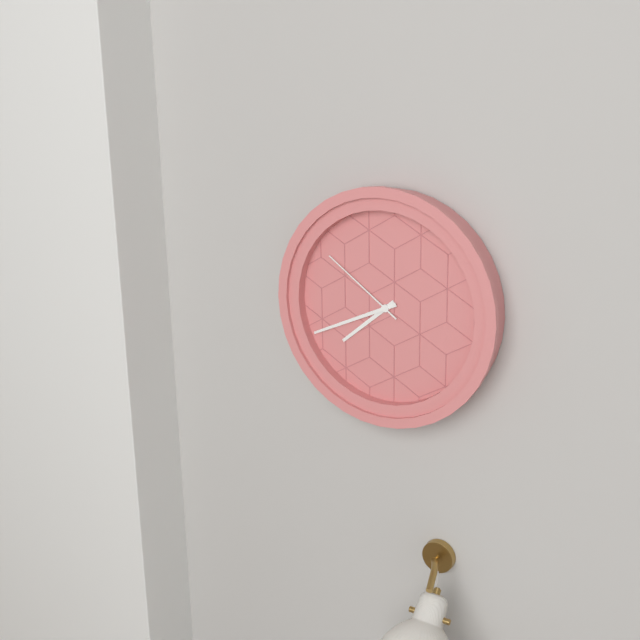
7:41:51
